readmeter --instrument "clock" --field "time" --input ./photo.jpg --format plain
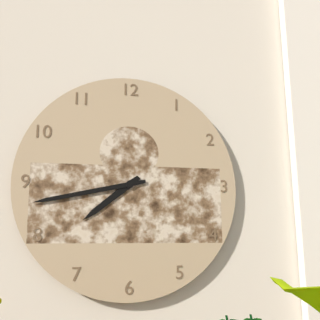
7:43
